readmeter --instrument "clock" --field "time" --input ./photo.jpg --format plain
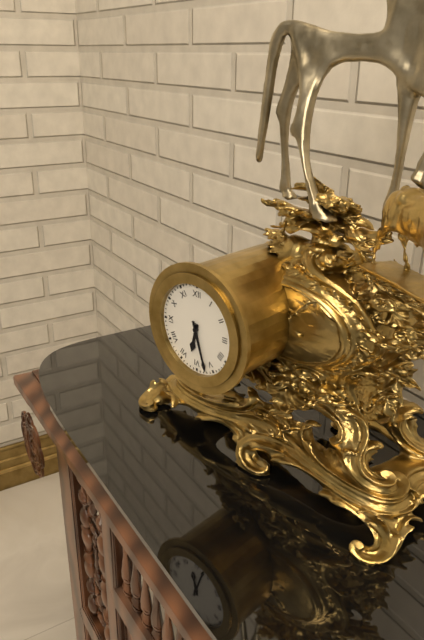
6:27
